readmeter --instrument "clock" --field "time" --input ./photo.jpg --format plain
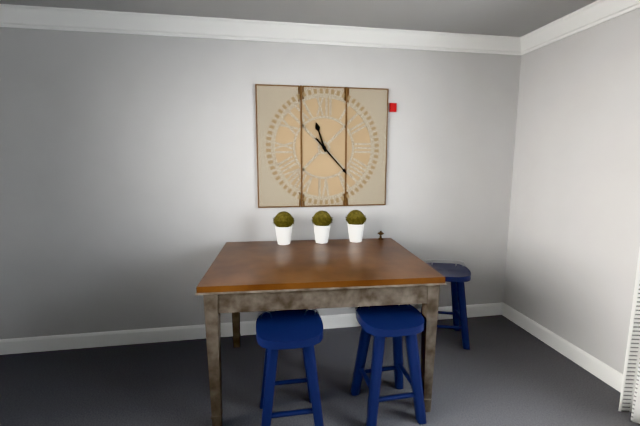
11:23
